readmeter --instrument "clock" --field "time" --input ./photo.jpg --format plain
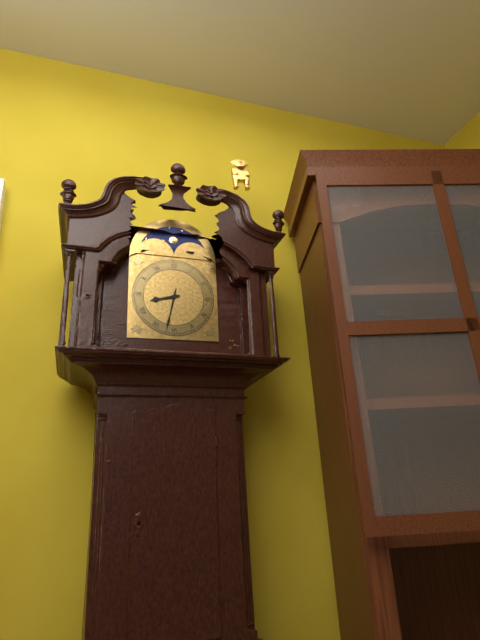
8:32
